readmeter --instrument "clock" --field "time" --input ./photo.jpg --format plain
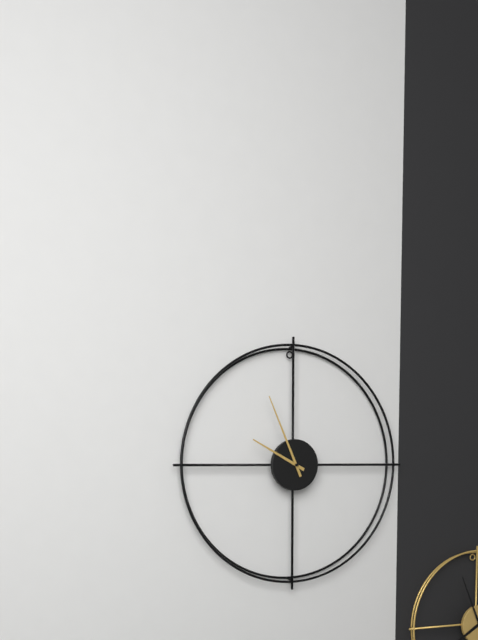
9:56
